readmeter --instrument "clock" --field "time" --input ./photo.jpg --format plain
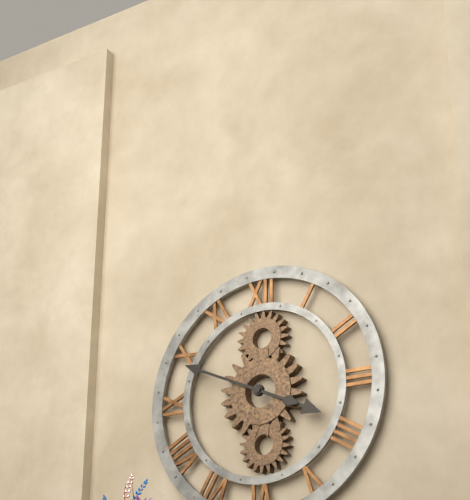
3:49
